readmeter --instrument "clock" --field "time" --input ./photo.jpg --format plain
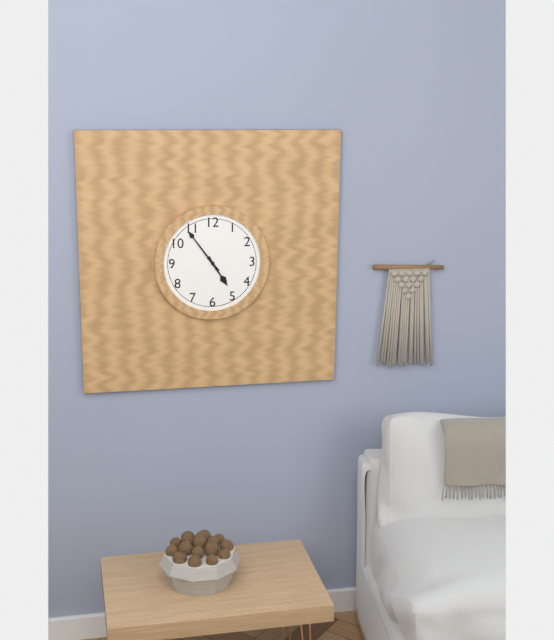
4:54
